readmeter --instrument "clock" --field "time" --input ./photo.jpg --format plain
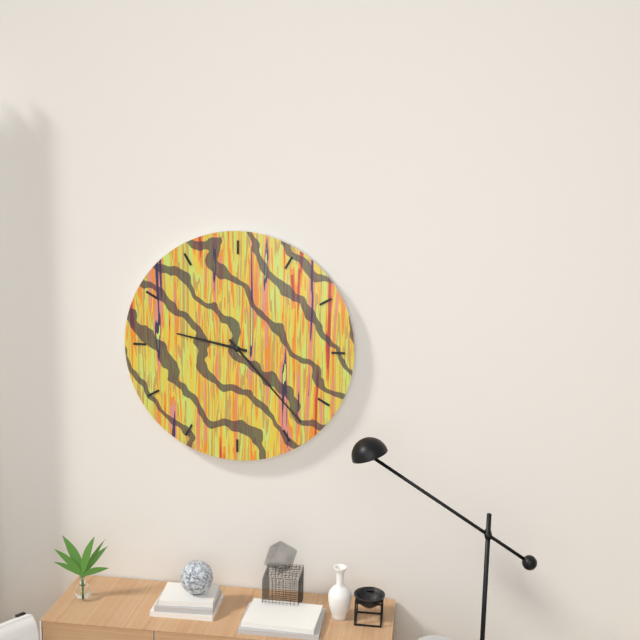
9:23
